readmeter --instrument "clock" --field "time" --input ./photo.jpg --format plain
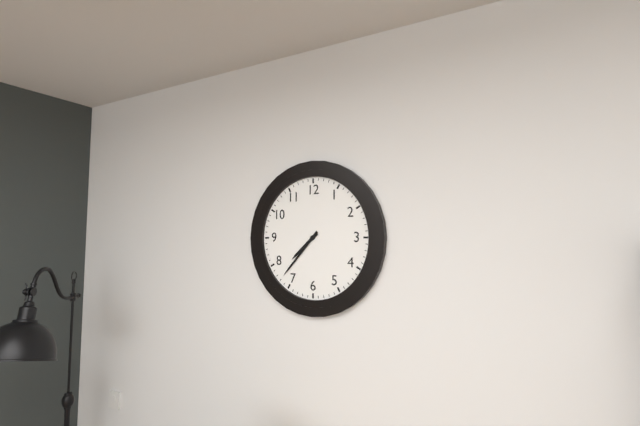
7:37
